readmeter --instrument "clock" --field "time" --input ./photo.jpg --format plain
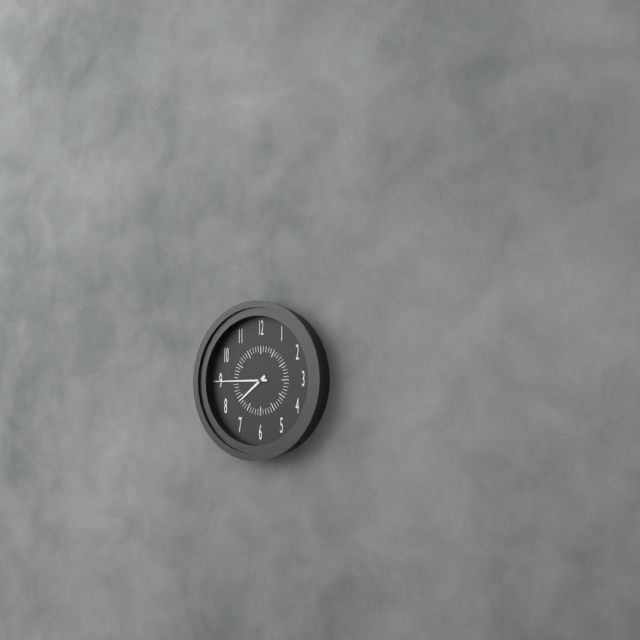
7:45
